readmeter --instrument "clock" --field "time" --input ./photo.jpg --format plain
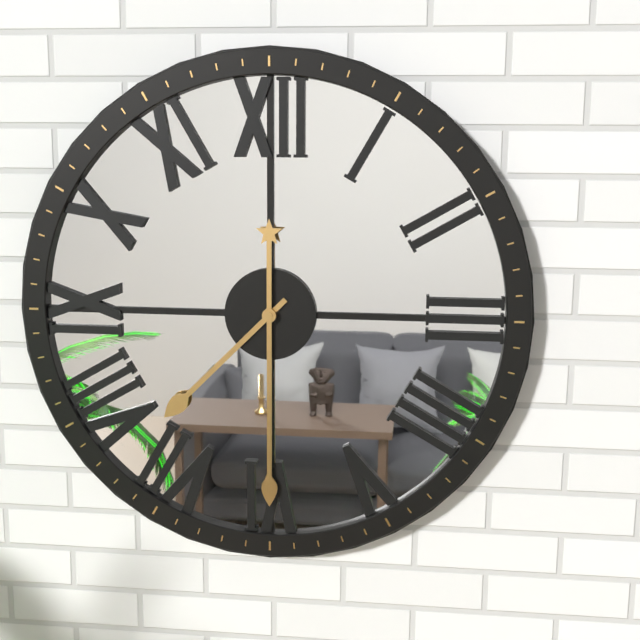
7:30
